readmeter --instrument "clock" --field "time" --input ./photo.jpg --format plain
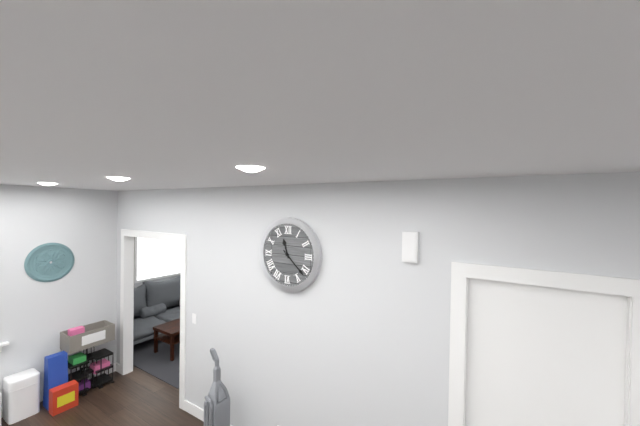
11:22
